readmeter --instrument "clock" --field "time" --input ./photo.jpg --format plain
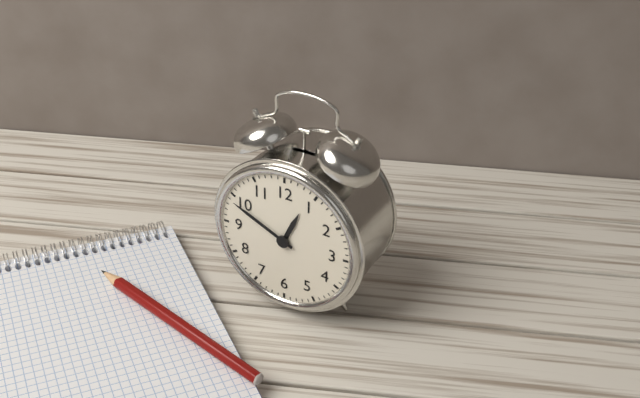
12:49
